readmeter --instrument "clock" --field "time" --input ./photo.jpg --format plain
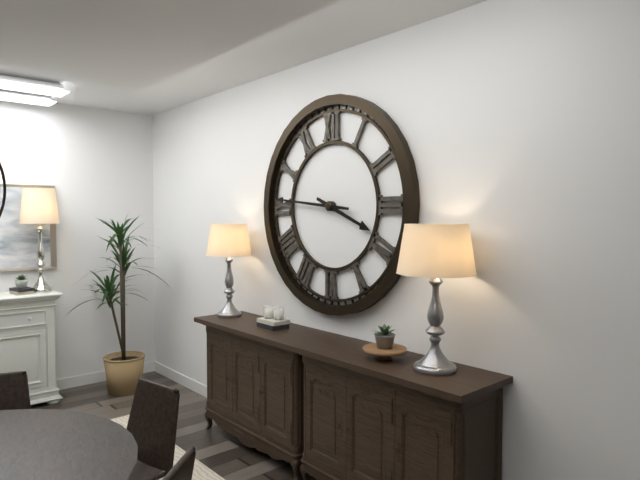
3:46
